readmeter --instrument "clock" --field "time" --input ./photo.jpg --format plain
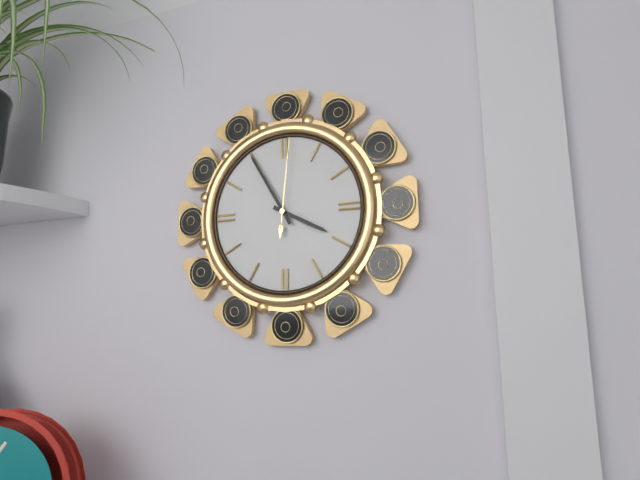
3:55:01
